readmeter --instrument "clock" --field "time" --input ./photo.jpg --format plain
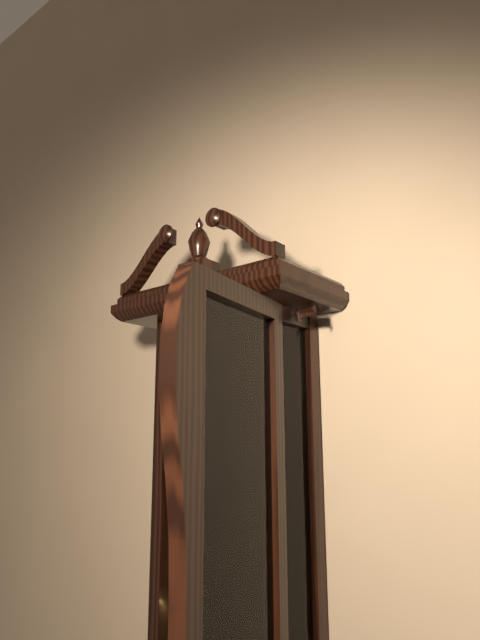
4:58
